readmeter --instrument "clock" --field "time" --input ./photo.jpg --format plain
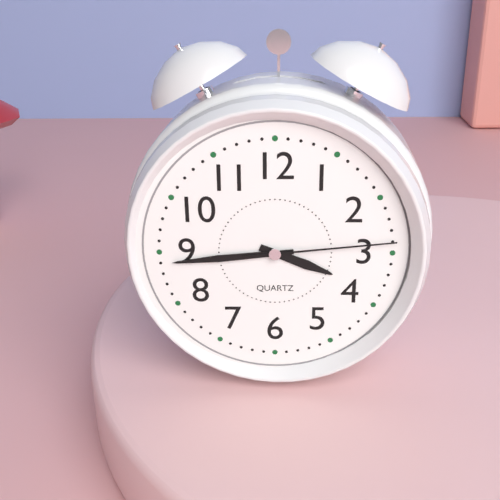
3:44:14
